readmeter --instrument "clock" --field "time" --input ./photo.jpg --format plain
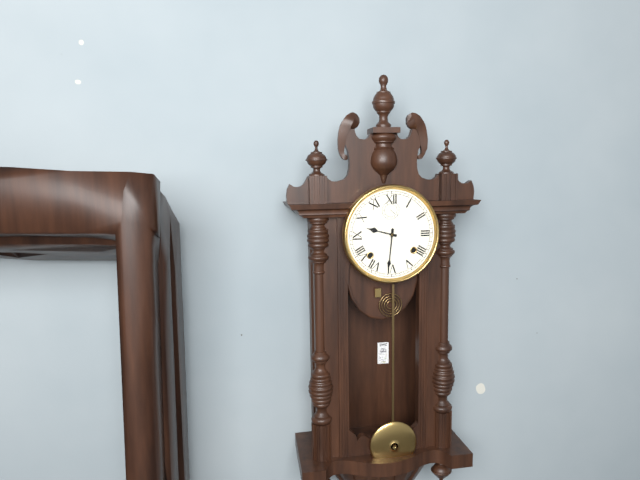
9:31
